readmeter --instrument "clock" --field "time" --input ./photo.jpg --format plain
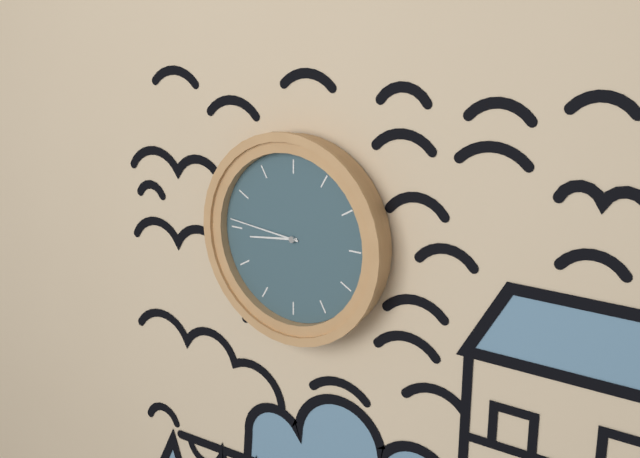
8:46
